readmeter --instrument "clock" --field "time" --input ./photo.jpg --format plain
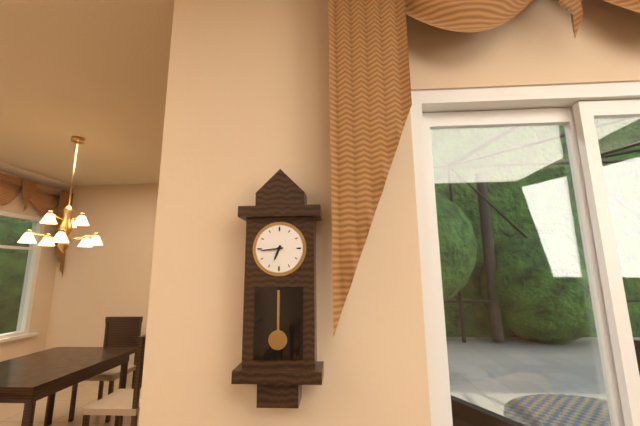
6:44
